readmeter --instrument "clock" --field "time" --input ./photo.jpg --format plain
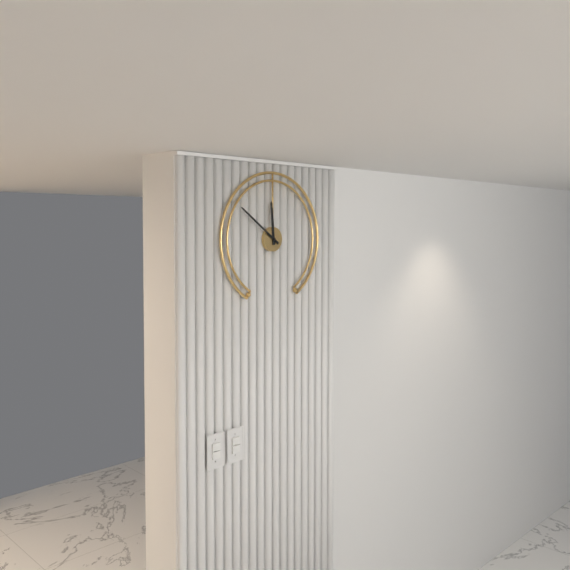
11:51
